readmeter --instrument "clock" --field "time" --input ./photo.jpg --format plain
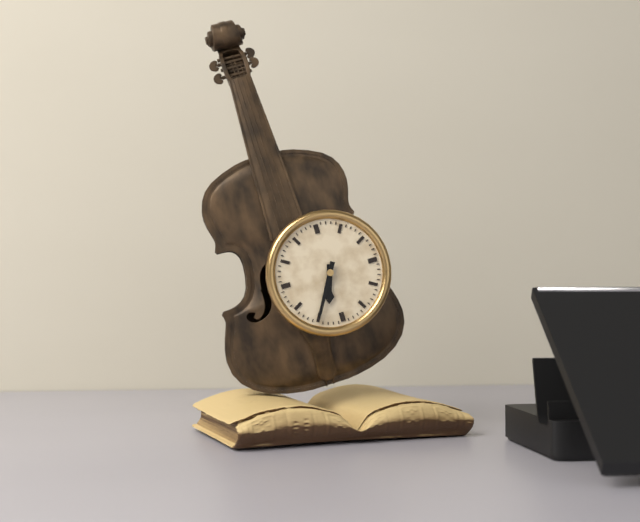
6:35
